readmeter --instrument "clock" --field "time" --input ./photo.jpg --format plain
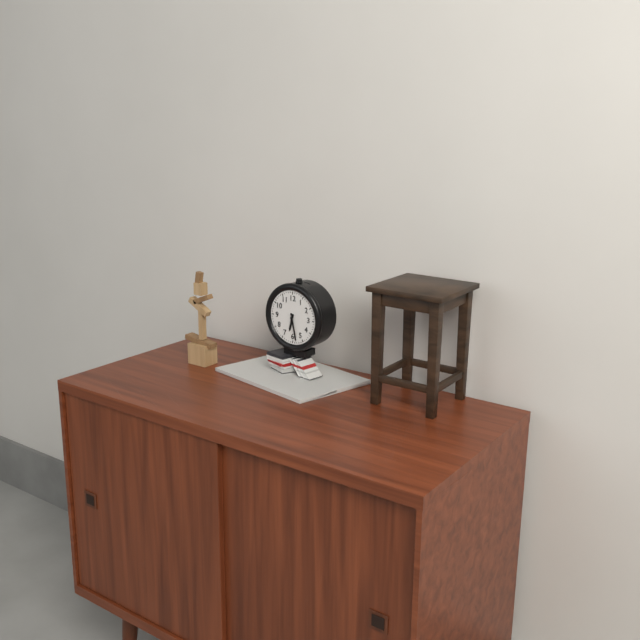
6:28
